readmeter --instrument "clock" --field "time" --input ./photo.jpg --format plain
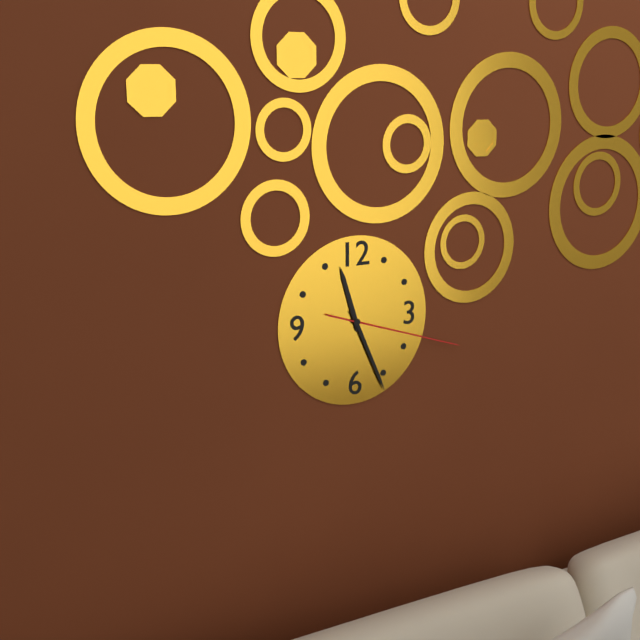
11:26:18
